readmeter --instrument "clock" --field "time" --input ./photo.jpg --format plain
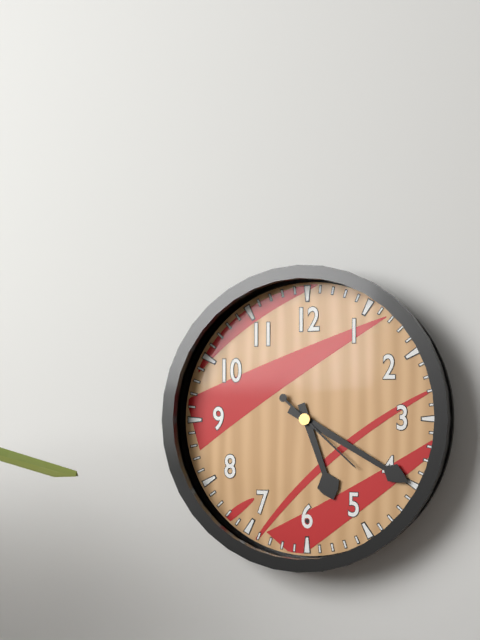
5:20:22
